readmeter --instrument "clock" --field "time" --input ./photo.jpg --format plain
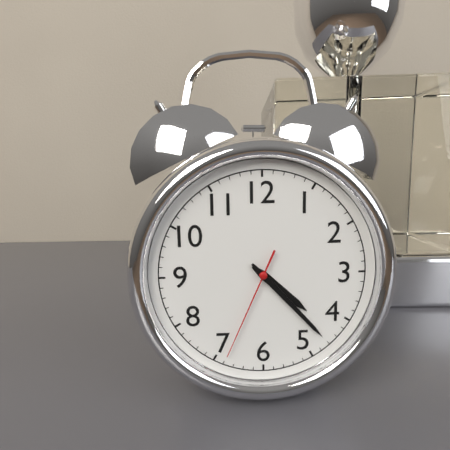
4:23:34
